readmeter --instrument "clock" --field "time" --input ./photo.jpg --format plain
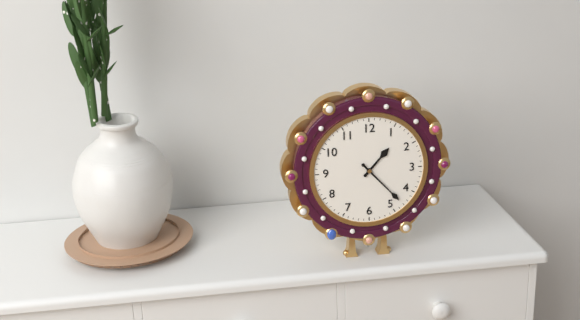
1:23
